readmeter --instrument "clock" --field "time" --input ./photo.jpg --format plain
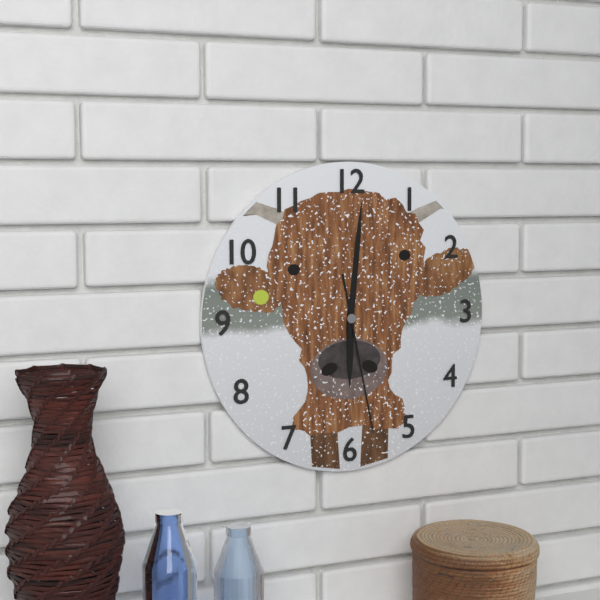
6:01:28
